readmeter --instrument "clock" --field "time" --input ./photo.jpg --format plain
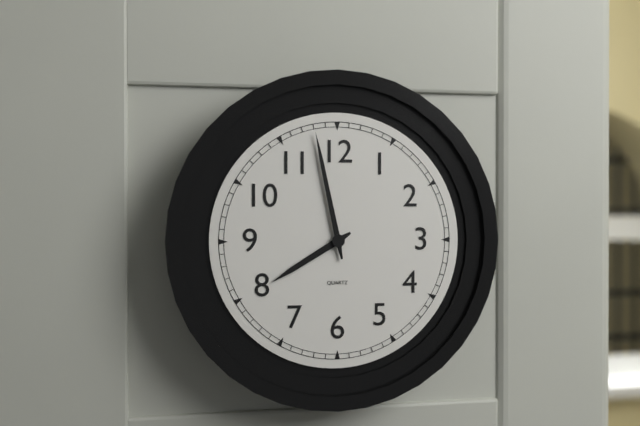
7:58
